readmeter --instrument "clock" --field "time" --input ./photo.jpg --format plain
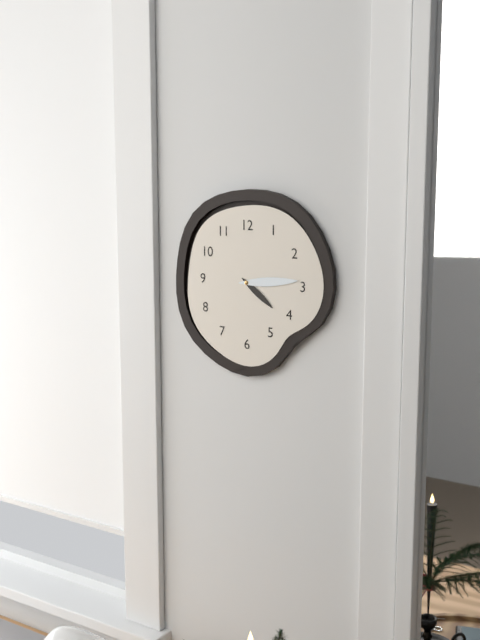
4:14
